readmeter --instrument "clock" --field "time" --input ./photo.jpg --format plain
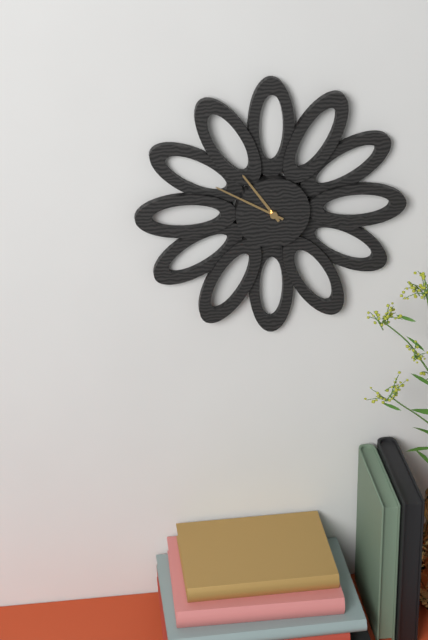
10:50
